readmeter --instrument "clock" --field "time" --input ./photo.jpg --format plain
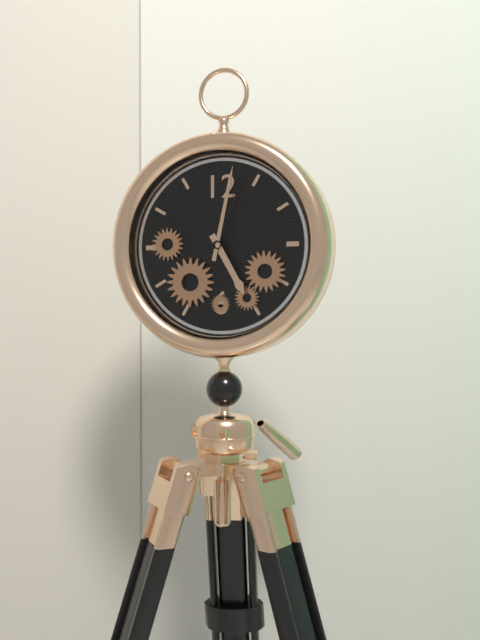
5:02
